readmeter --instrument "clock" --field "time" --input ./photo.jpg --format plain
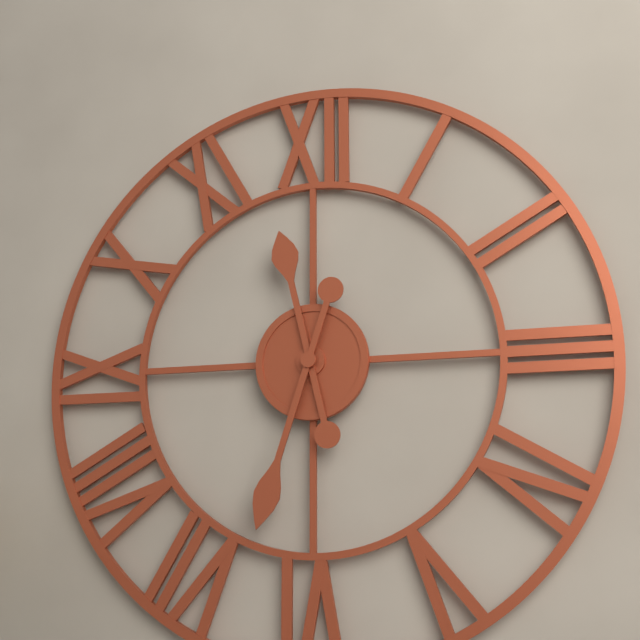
11:33
